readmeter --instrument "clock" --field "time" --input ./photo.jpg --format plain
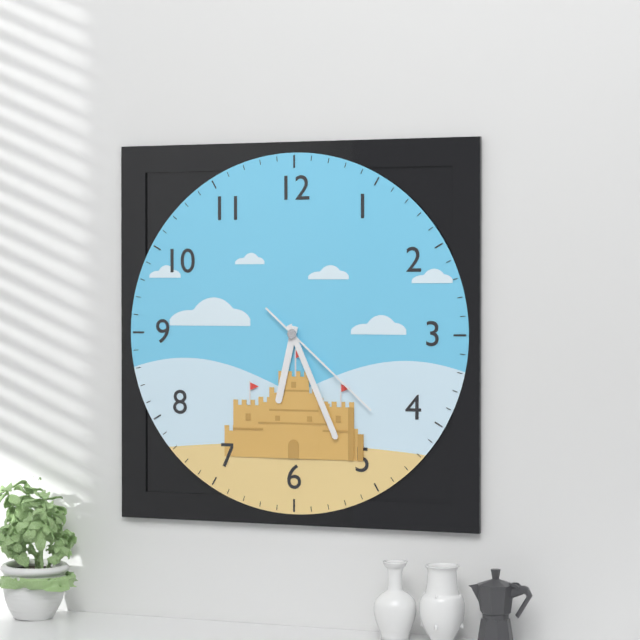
6:26:22
